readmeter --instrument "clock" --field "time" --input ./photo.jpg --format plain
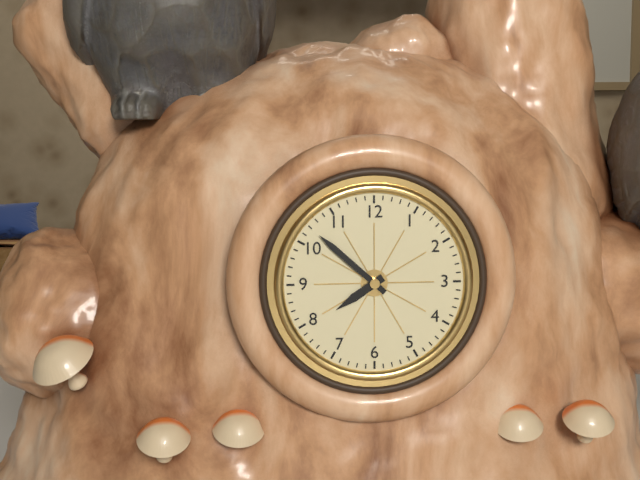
7:52
